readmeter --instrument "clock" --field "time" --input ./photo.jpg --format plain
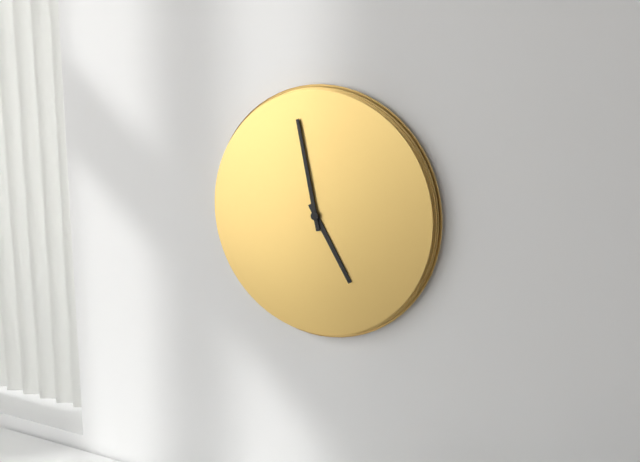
4:58
